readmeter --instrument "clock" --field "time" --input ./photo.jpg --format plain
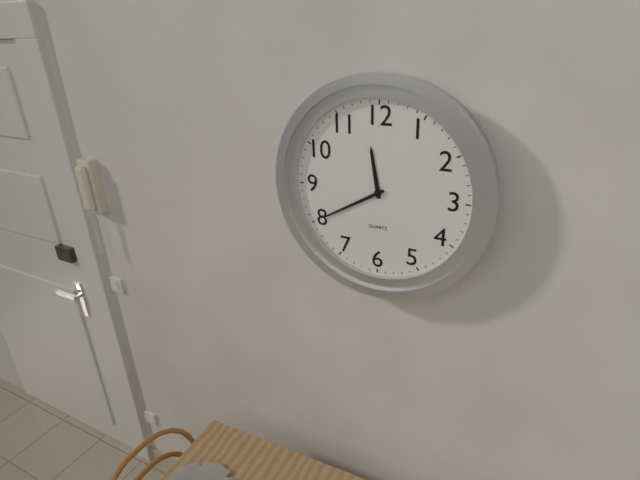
11:40
